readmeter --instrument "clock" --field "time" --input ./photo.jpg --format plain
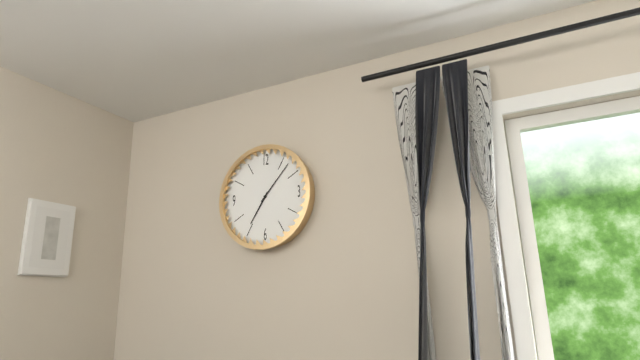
7:07
